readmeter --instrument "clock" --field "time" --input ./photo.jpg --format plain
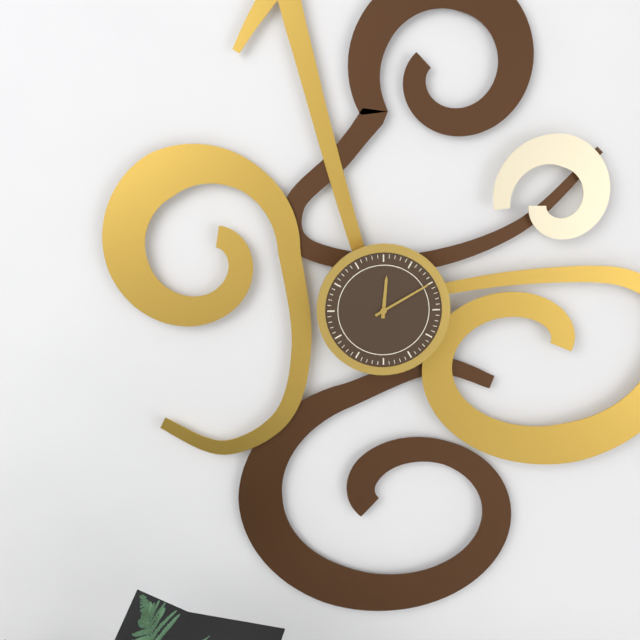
12:10
